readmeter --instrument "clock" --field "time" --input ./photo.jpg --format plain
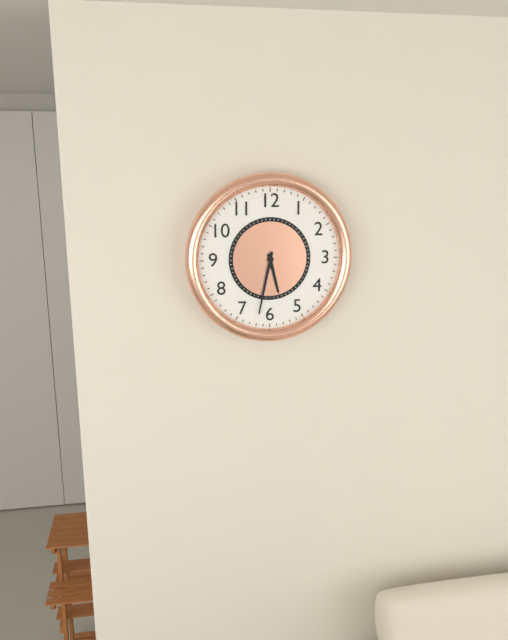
5:32
